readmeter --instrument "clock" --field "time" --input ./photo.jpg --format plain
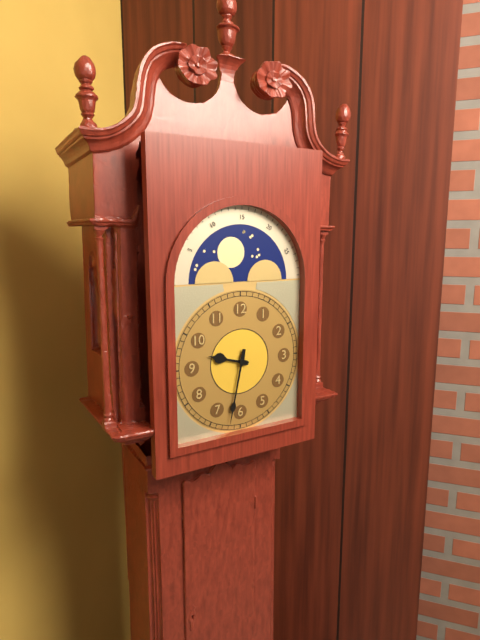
9:32
